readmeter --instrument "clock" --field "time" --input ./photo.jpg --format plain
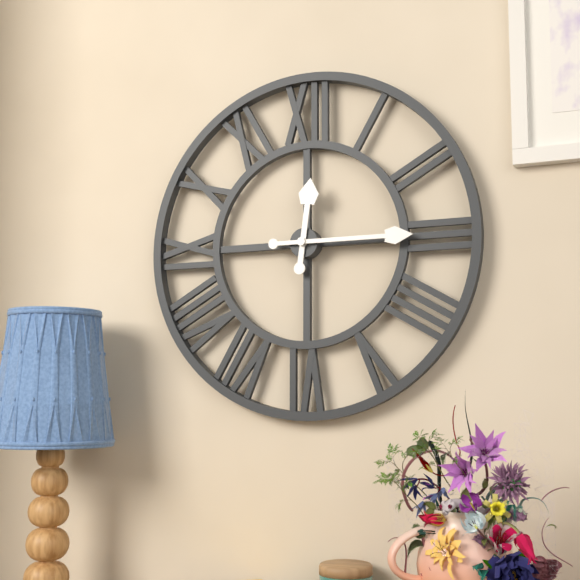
12:15
